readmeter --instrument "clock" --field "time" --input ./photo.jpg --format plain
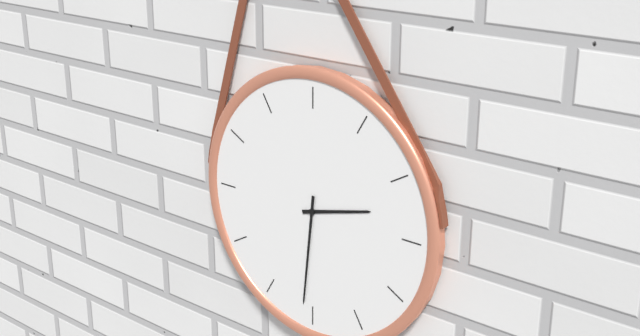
2:31
